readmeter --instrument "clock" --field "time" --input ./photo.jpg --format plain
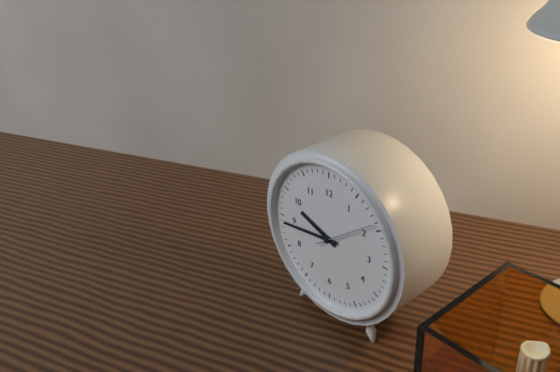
9:44:09
